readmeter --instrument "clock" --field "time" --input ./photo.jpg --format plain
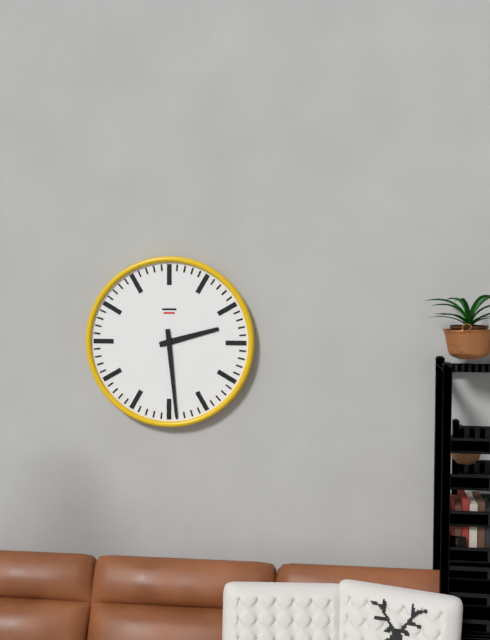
2:29
